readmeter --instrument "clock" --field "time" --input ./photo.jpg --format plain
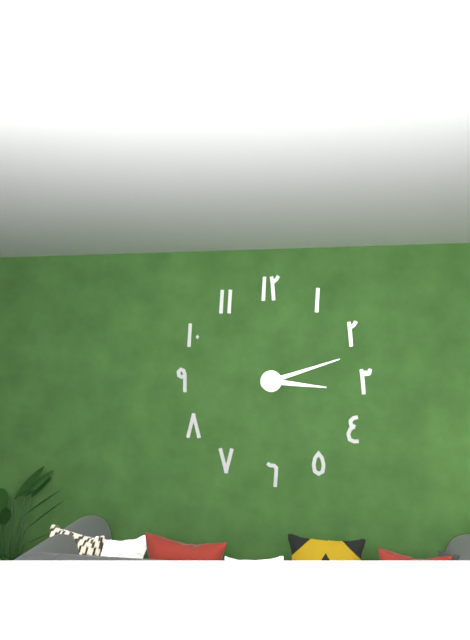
3:12
